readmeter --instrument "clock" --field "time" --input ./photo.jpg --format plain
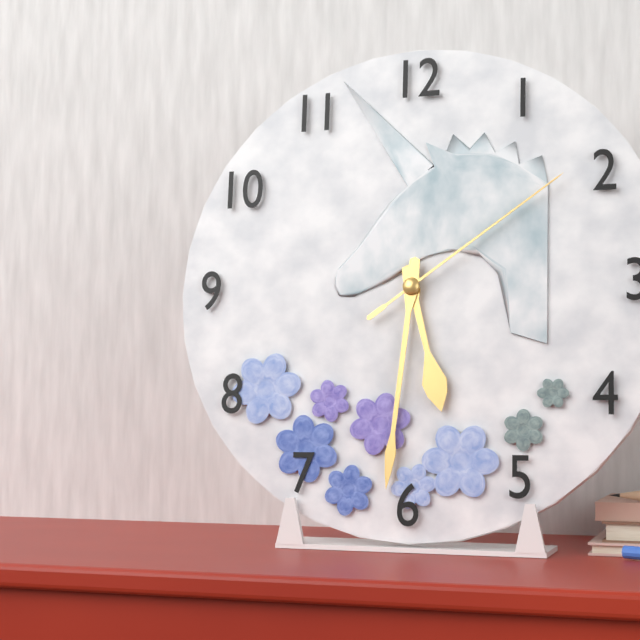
5:31:09
